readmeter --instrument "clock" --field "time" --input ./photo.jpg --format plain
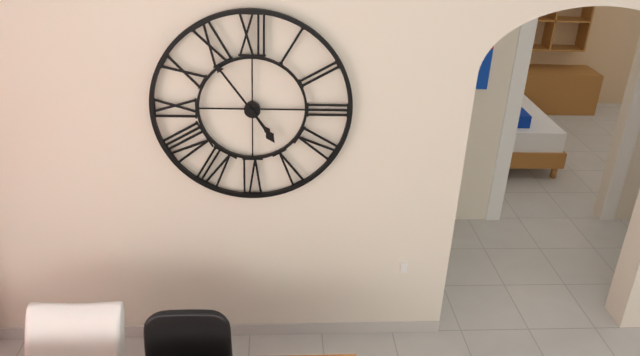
4:54
